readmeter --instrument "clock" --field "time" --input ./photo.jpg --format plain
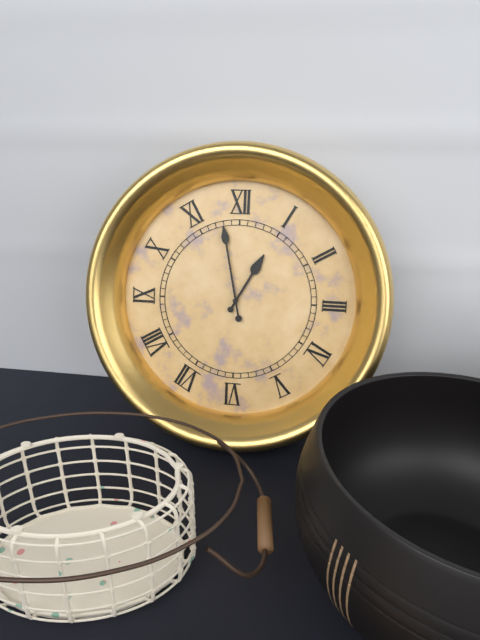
12:58
